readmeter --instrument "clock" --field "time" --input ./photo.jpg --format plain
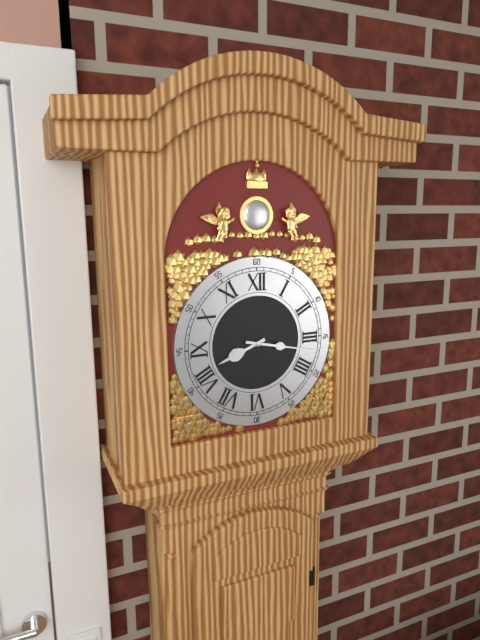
8:17
